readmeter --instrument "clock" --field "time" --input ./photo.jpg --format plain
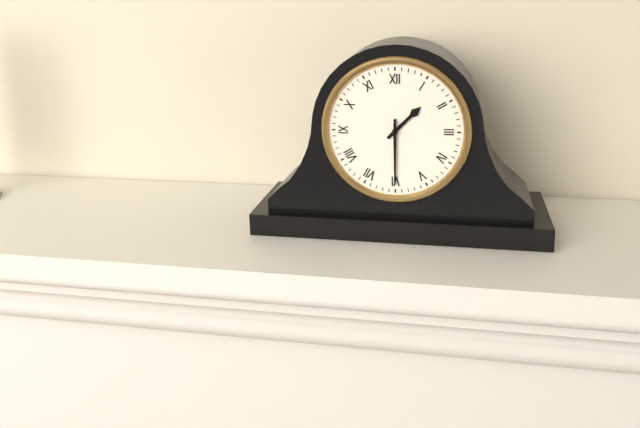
1:30
